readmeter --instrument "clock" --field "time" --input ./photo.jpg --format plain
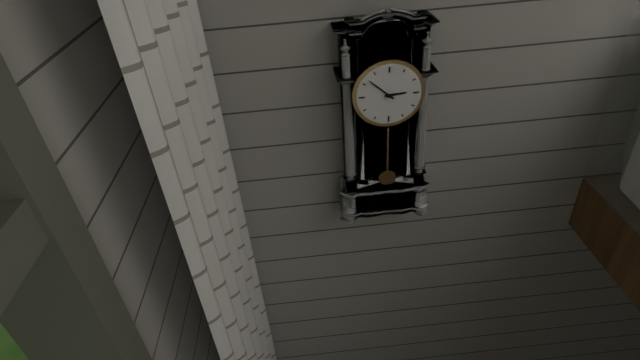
2:52
